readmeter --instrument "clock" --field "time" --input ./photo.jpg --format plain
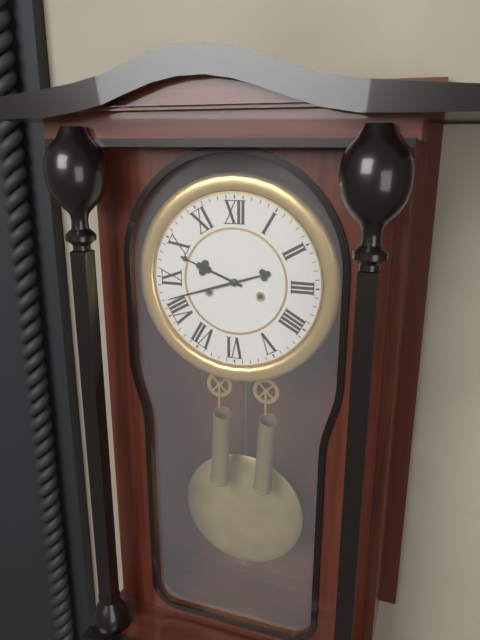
9:42
